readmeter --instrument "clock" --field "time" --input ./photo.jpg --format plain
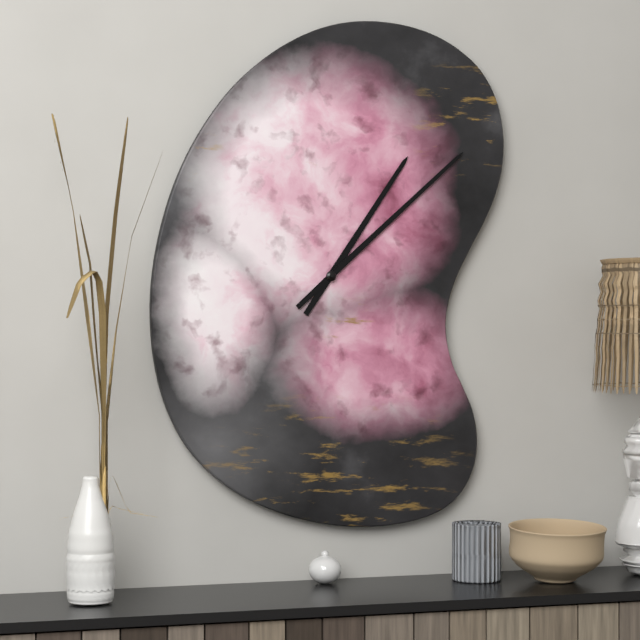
1:08
